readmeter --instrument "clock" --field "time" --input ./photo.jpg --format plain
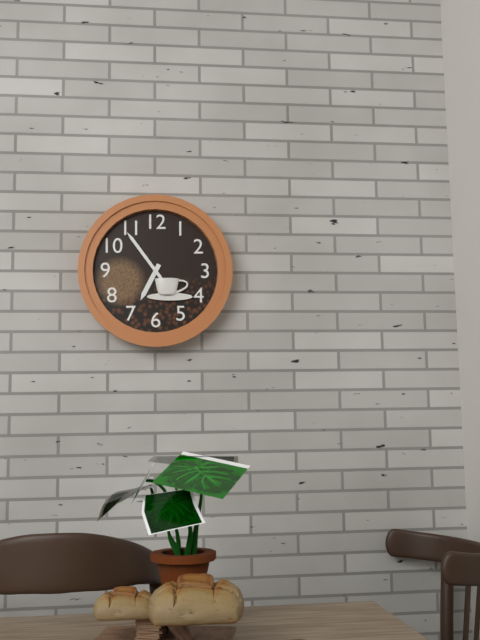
6:54
